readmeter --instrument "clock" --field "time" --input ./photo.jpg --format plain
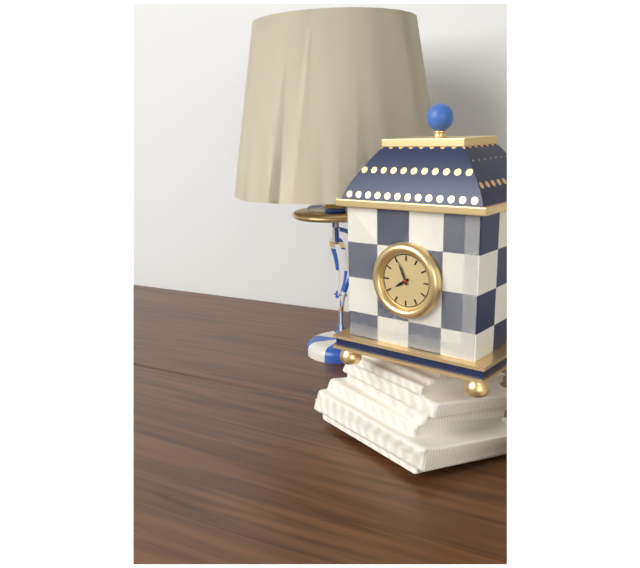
7:56
